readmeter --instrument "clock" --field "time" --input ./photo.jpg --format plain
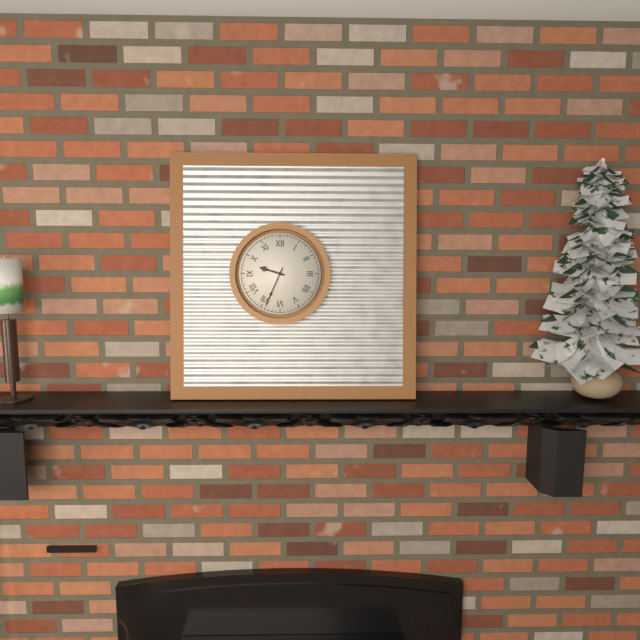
9:34
